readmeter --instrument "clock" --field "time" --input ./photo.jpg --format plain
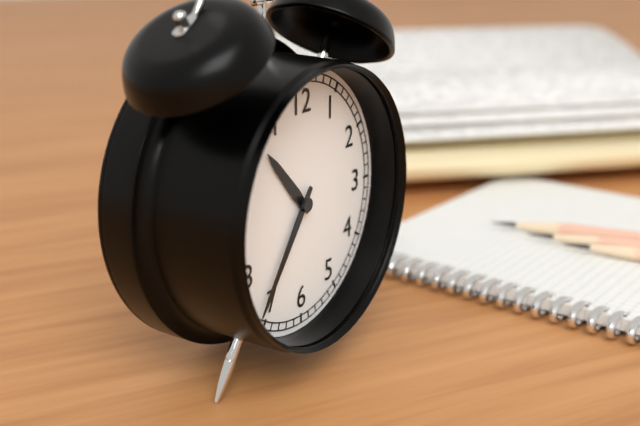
10:36
